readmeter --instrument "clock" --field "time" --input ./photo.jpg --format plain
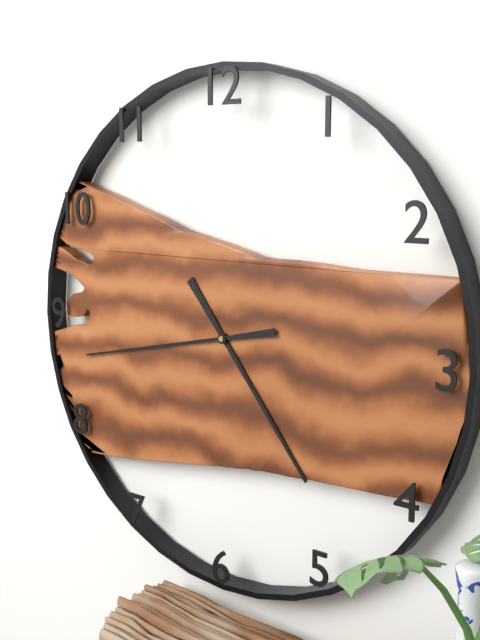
4:43
